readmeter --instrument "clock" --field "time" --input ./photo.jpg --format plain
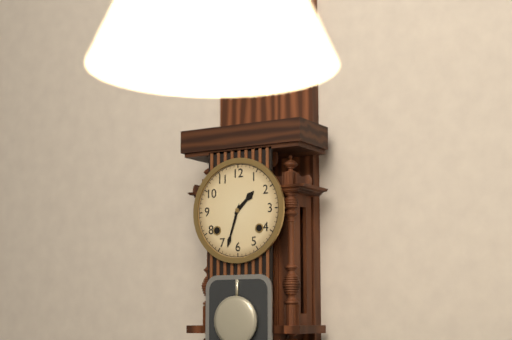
1:33
